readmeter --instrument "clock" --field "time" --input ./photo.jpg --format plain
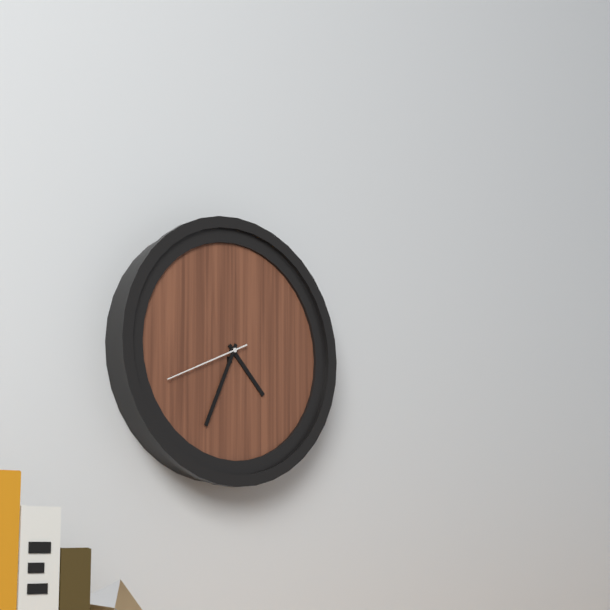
4:34:41
